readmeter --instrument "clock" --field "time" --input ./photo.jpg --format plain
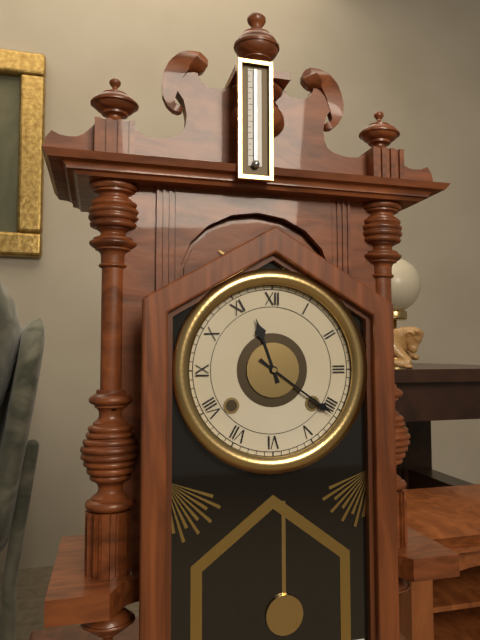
11:21
